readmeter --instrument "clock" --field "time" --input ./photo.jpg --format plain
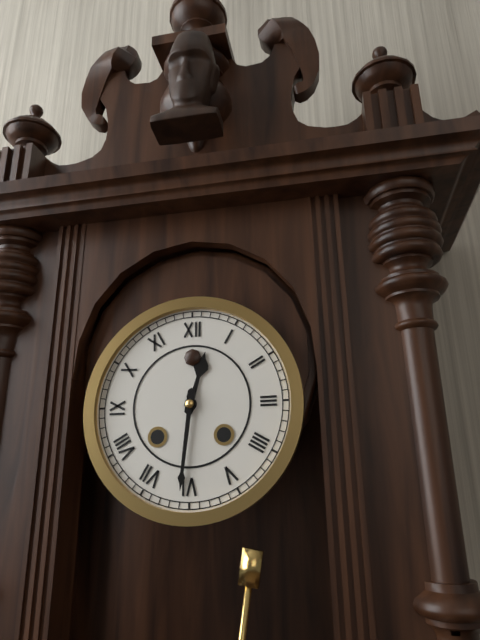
12:31
